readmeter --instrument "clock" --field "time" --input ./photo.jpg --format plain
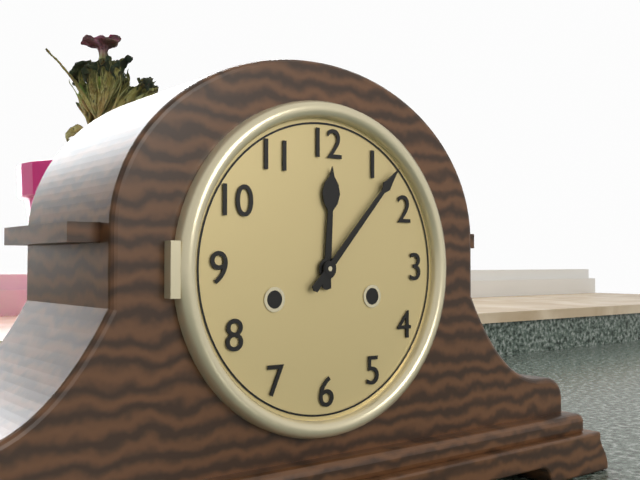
12:07
